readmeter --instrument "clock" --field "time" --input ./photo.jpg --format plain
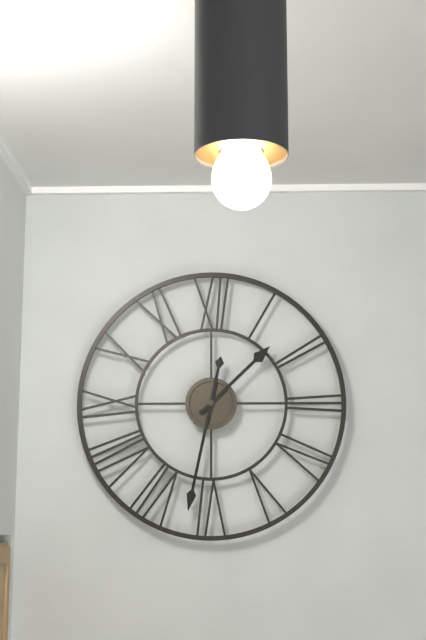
1:32
